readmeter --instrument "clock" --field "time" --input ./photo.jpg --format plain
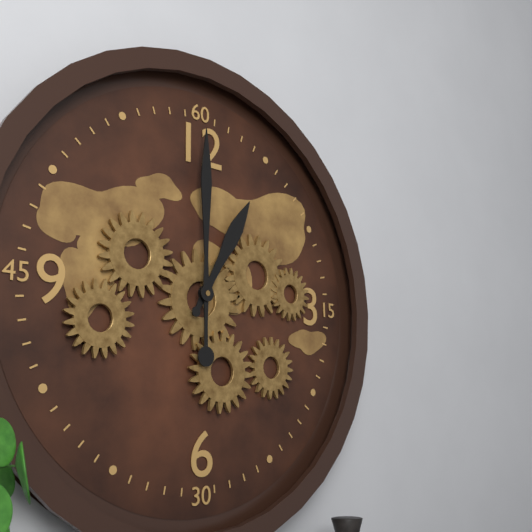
1:00
